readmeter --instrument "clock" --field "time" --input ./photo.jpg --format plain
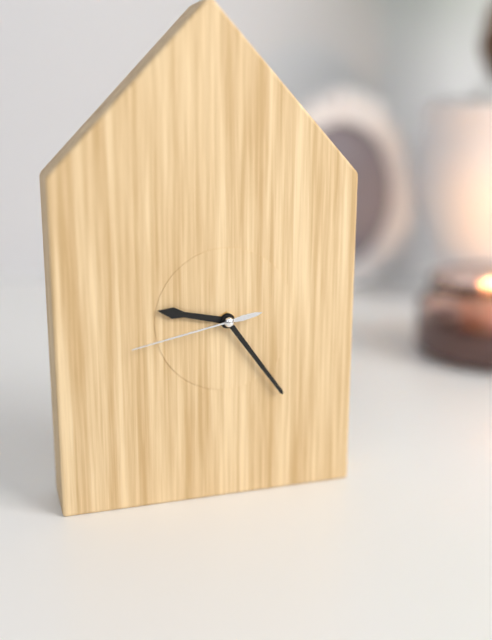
9:24:43
